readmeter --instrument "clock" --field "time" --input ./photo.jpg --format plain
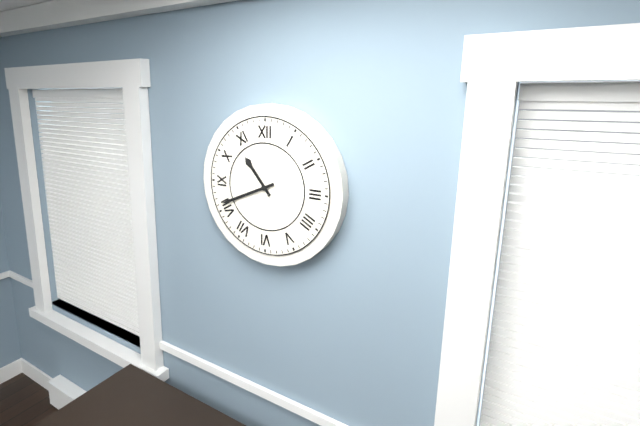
10:41
